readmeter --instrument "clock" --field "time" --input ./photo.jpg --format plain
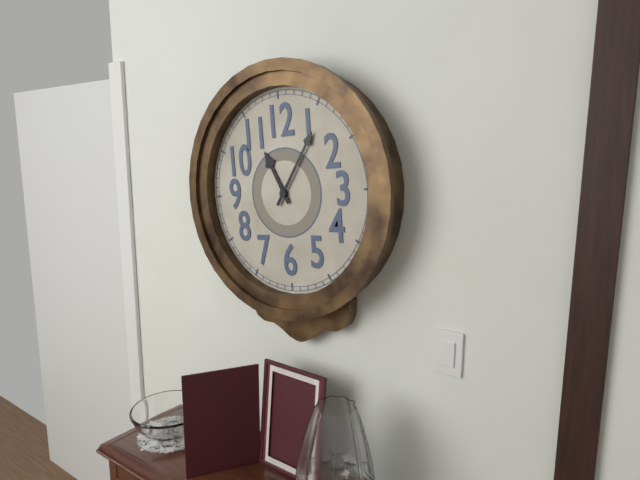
11:06
